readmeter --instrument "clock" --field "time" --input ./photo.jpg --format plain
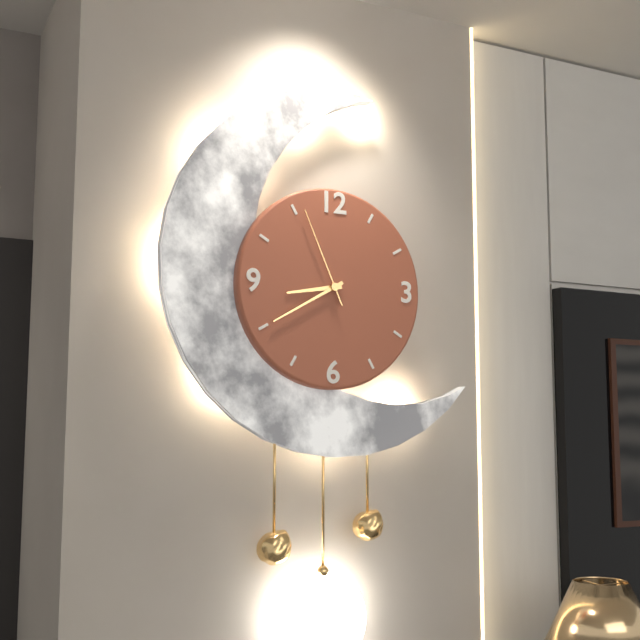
8:40:56
